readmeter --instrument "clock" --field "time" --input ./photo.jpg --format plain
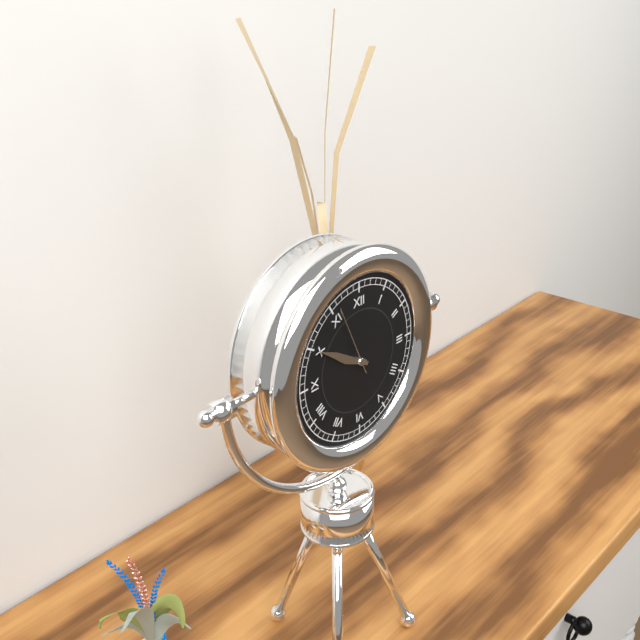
9:50:56
